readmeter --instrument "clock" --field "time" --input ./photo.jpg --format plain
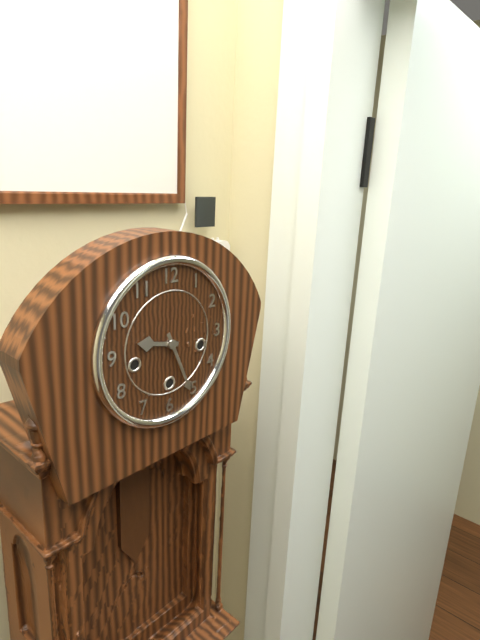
9:26
